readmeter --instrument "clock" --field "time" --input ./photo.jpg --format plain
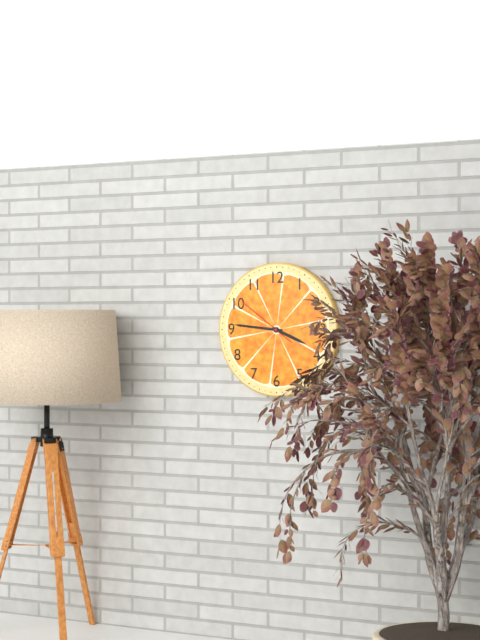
3:46:51
